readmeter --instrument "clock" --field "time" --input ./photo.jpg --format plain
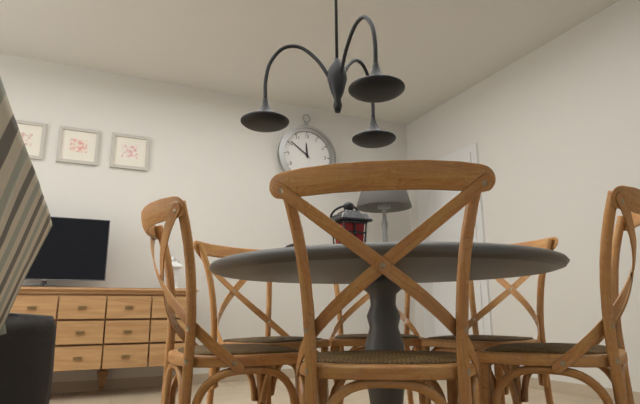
11:51
